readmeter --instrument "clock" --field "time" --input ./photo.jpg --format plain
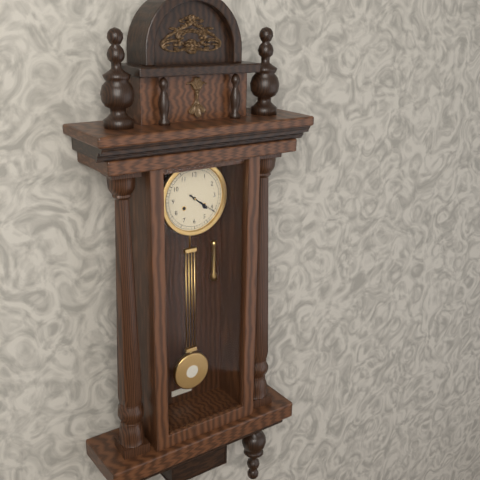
4:21
